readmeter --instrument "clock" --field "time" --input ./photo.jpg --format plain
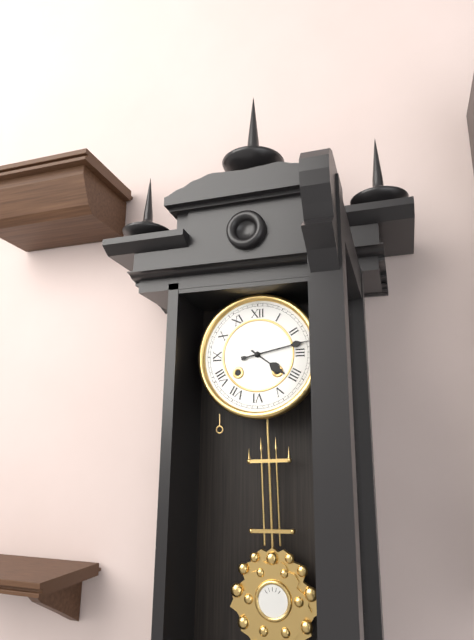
4:13
